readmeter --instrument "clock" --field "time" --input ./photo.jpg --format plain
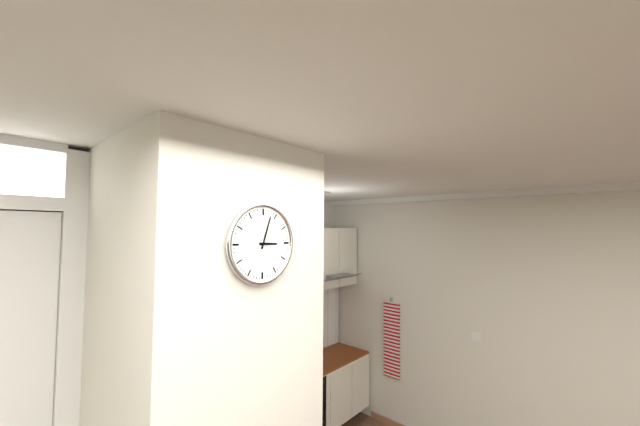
3:03
